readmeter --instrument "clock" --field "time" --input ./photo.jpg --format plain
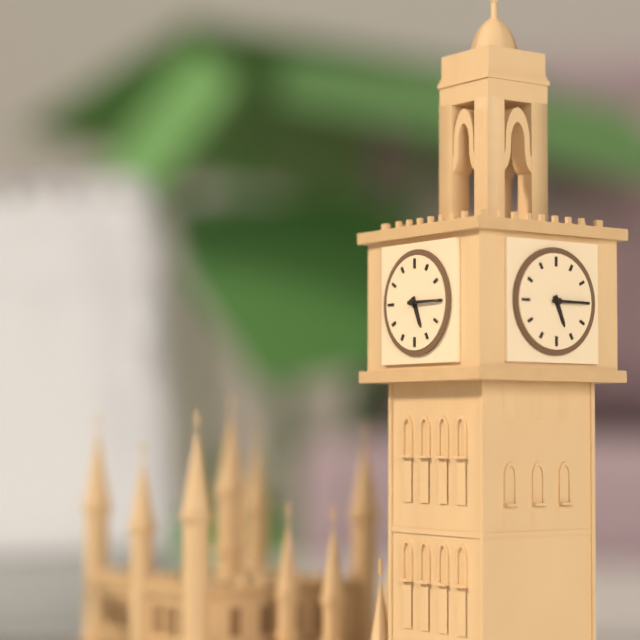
5:15
